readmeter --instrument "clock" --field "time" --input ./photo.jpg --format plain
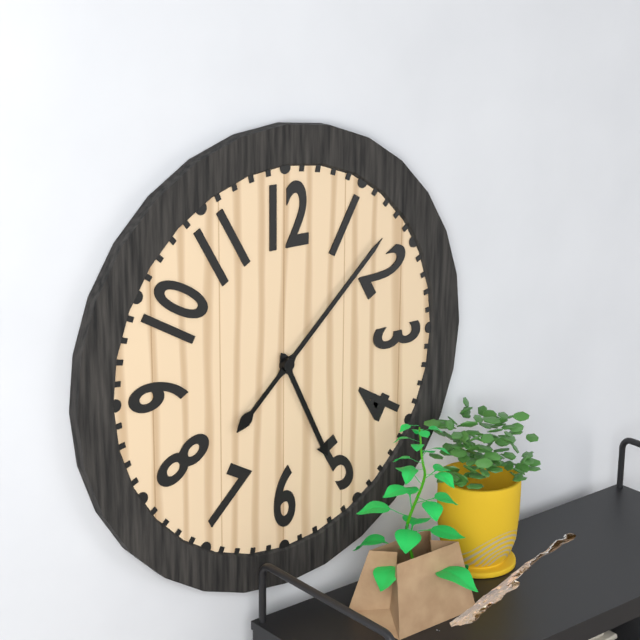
5:08
